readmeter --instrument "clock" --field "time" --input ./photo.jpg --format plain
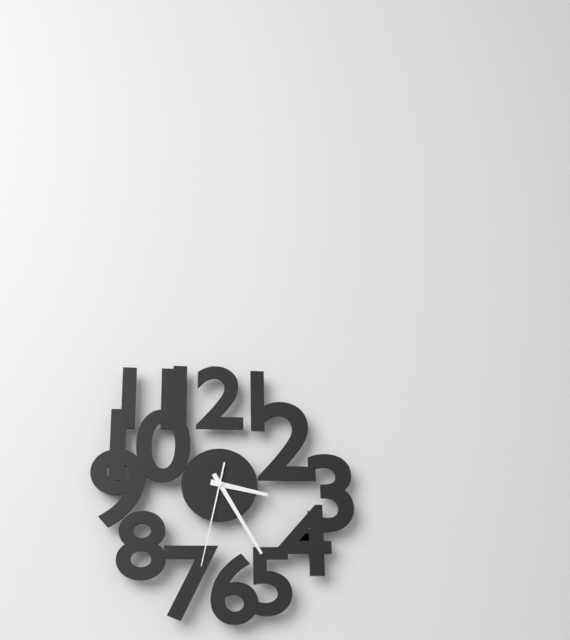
3:25:32
